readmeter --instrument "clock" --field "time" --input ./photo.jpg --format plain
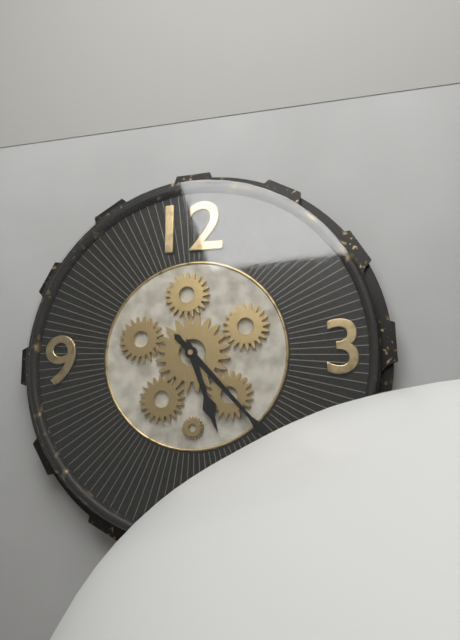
5:23
